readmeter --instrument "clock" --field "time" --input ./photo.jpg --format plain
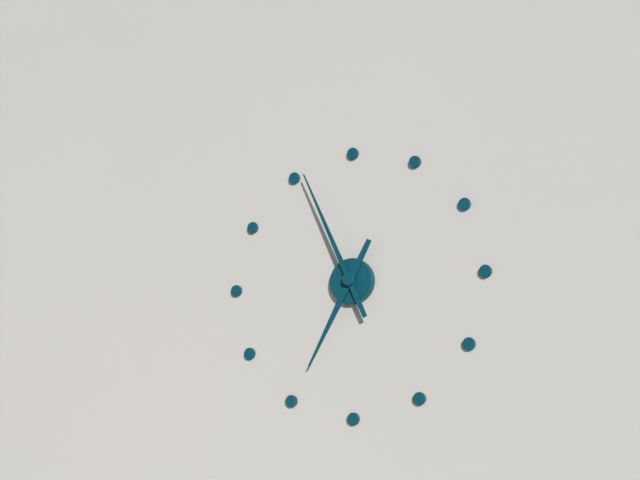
6:56
